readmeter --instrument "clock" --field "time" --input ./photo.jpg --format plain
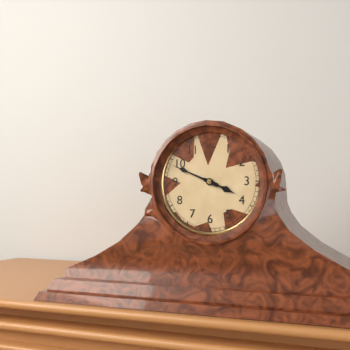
3:49
